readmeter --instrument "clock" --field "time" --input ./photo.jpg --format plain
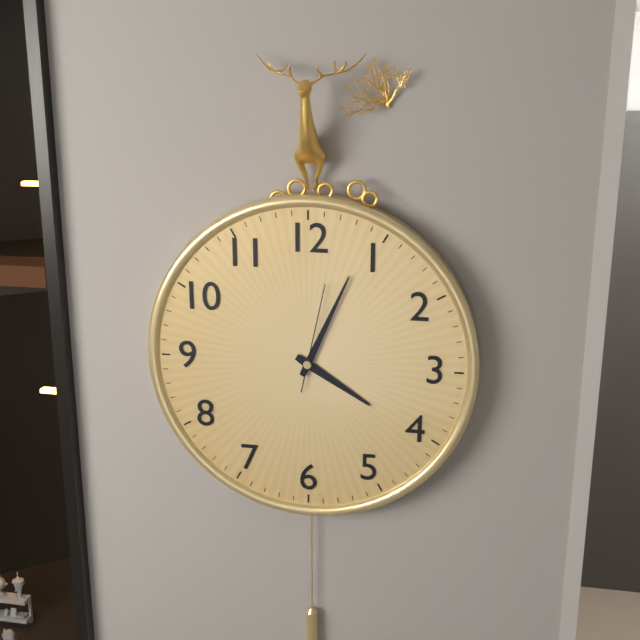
4:04:02
